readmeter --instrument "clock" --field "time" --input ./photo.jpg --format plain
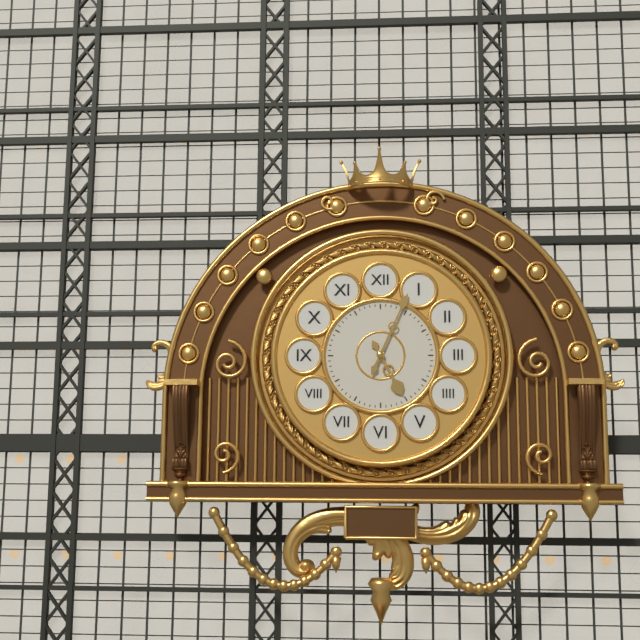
5:04
